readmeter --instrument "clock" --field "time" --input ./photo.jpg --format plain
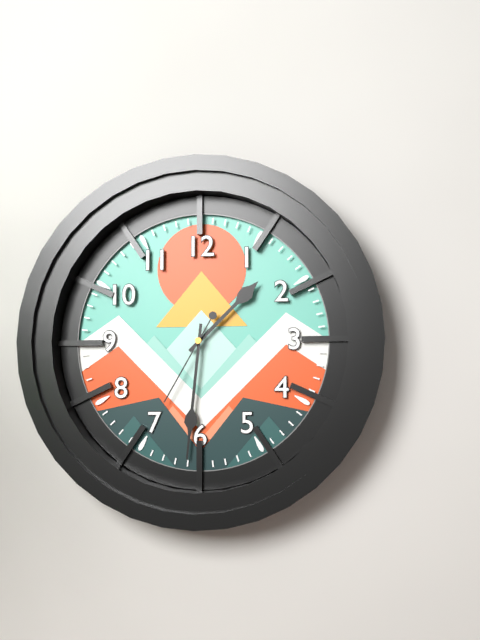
1:31:35
